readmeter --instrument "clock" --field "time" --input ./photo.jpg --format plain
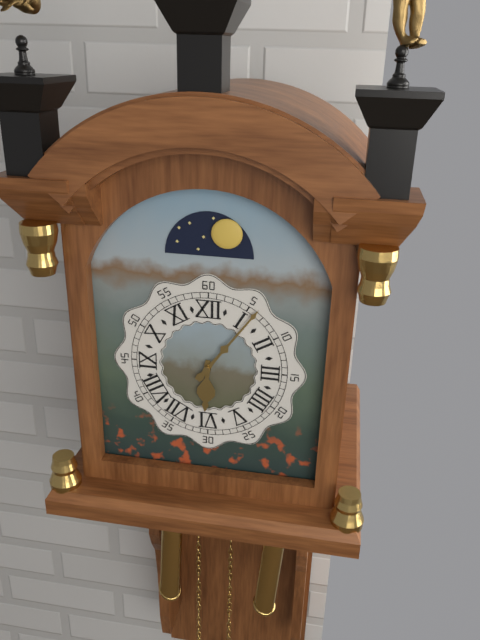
6:06
